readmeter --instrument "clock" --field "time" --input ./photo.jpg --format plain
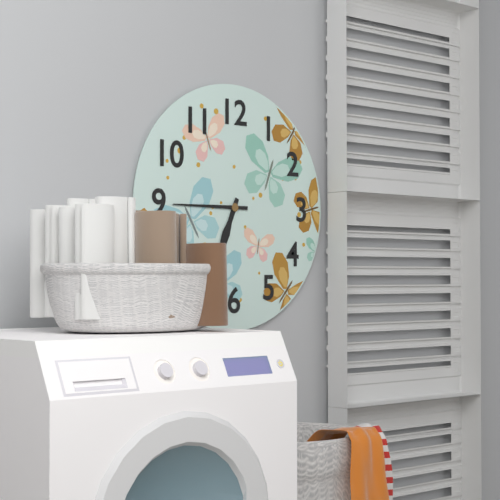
6:45
